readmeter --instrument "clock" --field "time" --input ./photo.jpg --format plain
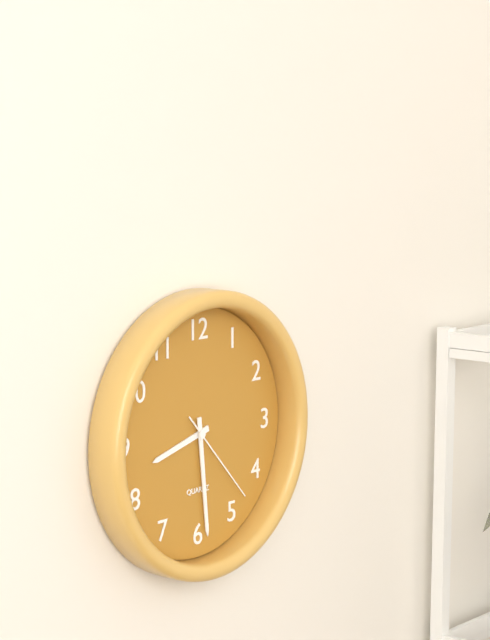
8:29:23
